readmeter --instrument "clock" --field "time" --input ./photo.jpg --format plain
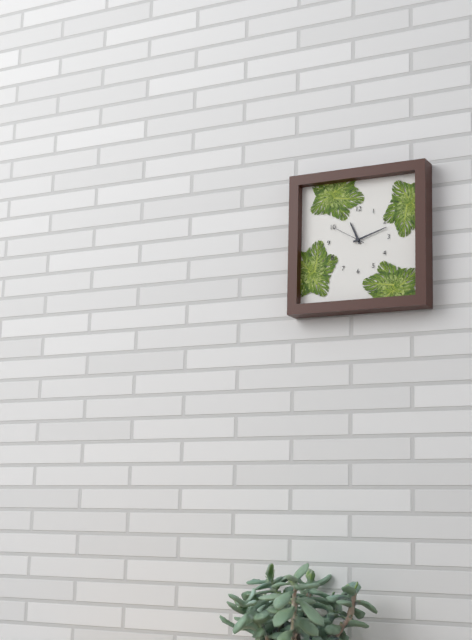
11:12
